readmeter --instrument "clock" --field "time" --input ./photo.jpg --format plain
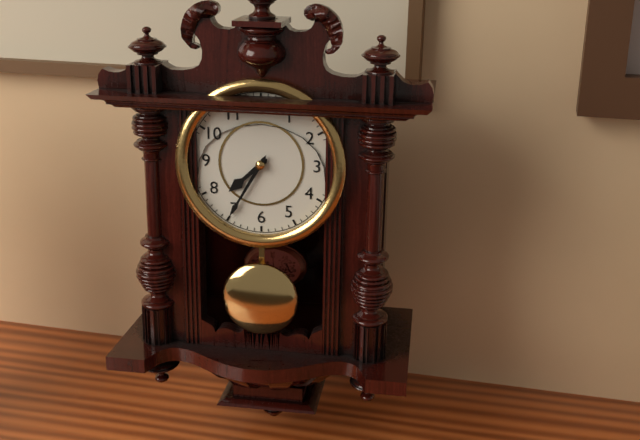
7:35
